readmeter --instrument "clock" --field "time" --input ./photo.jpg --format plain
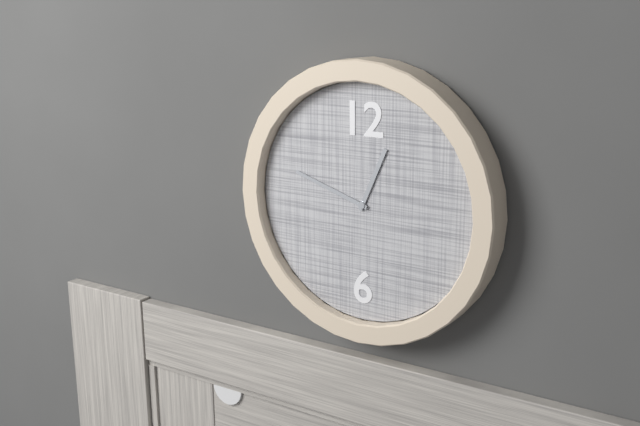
12:48
